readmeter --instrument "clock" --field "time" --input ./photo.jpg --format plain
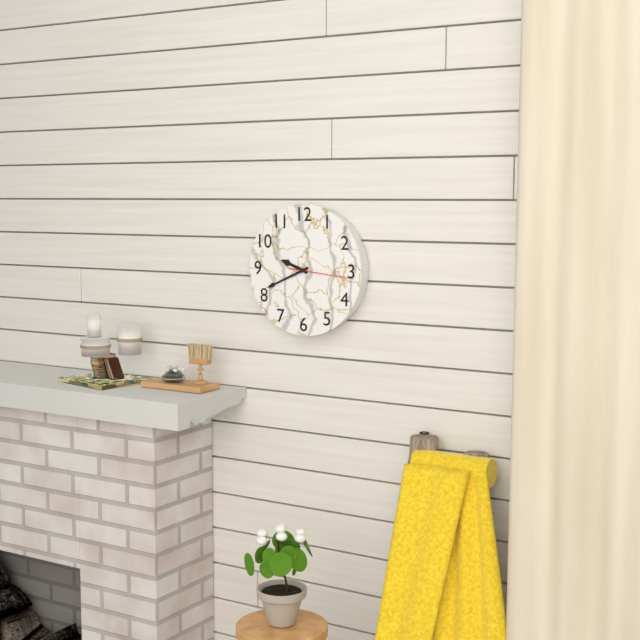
9:41:16
